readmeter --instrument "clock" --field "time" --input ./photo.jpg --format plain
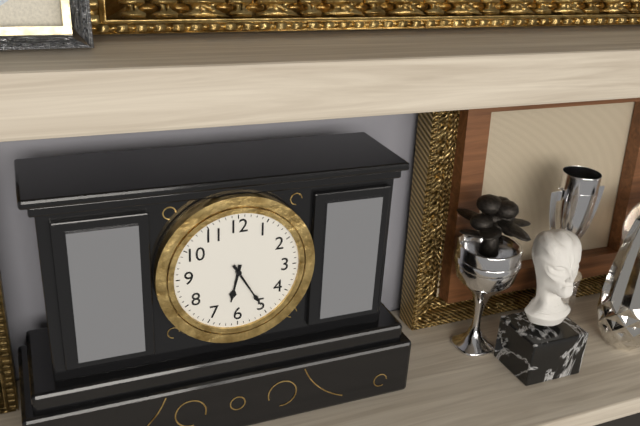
6:25
